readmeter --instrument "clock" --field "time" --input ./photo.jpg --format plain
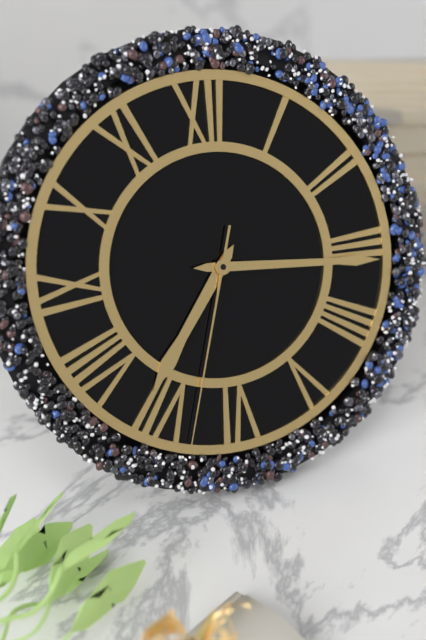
7:16:33
